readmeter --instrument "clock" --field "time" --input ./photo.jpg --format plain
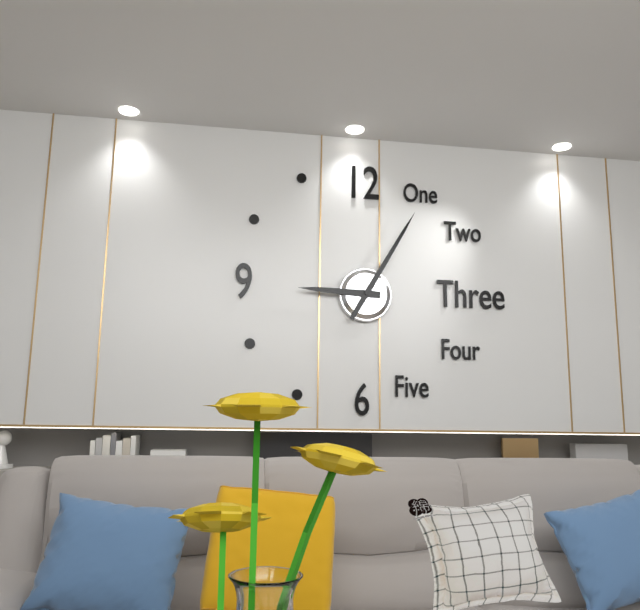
9:05
